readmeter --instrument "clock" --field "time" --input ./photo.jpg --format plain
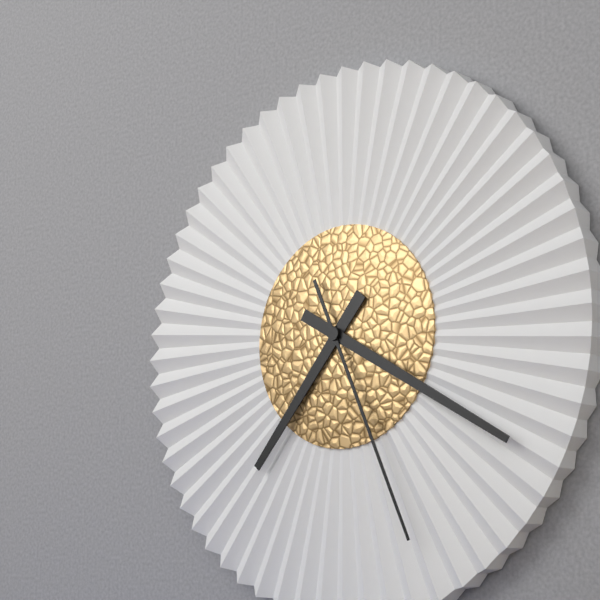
7:20:26
